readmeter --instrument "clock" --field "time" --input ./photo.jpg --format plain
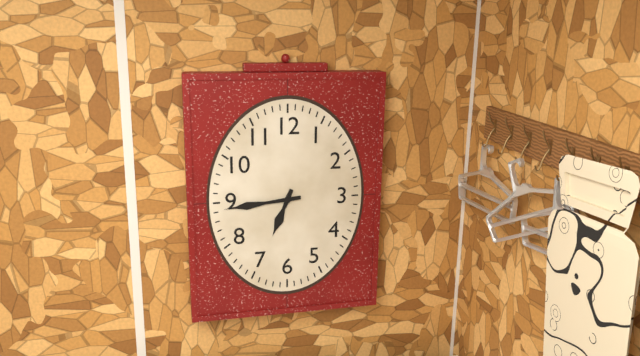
6:44
